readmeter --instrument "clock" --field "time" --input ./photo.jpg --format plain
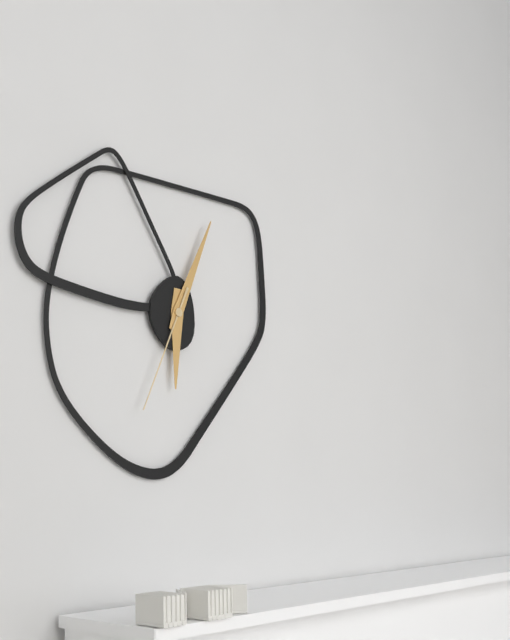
6:04:34
